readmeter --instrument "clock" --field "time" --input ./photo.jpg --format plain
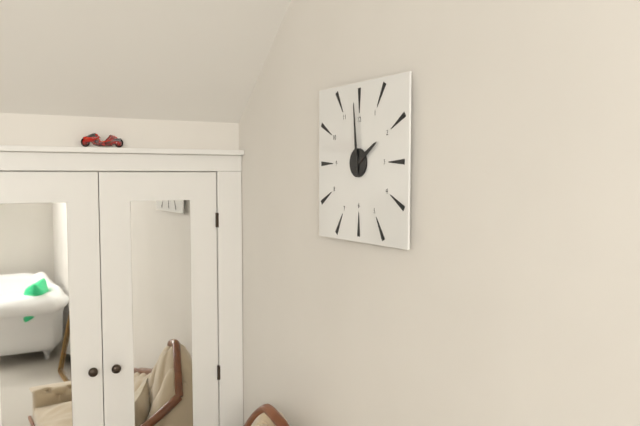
1:59
